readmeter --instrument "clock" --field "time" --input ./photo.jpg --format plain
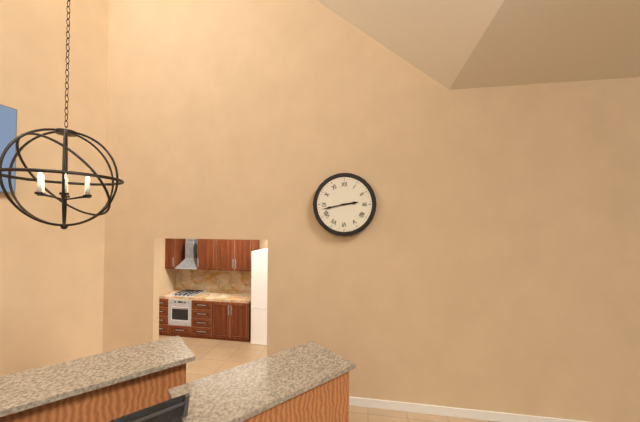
2:43
